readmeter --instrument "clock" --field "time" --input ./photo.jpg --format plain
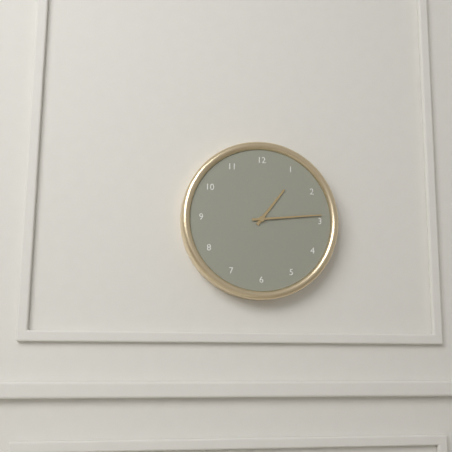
1:14
